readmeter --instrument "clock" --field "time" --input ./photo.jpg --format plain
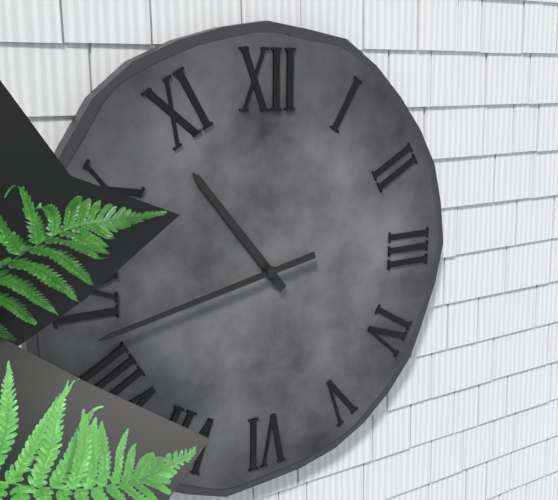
10:43
